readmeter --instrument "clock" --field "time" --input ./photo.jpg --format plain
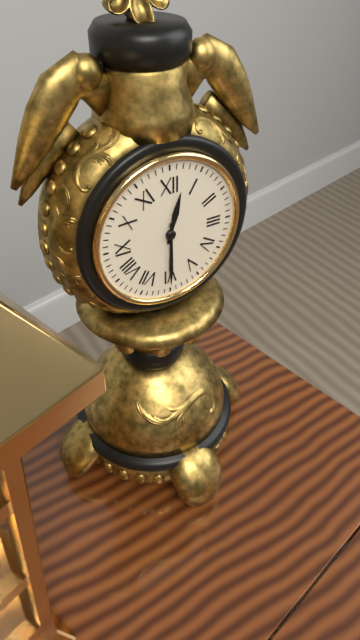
12:30
